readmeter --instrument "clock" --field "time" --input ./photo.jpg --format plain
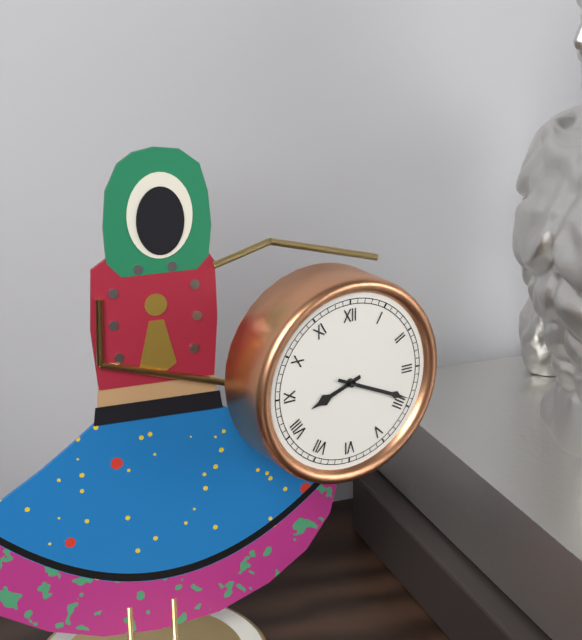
8:19
